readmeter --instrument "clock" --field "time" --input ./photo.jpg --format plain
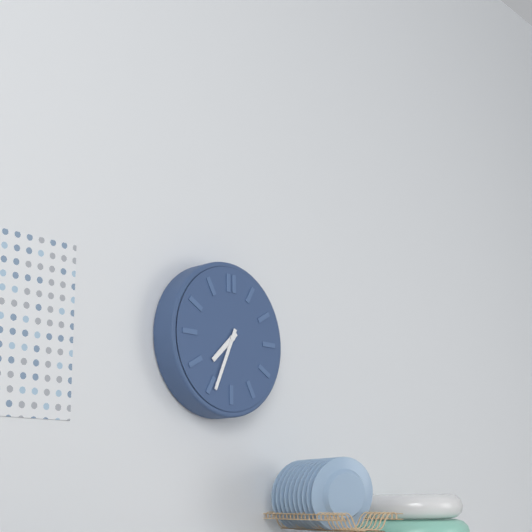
7:34
